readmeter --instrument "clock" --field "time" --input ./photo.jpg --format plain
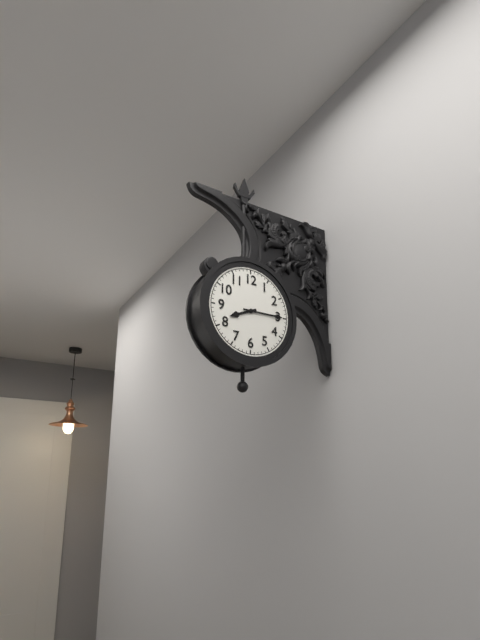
8:15
